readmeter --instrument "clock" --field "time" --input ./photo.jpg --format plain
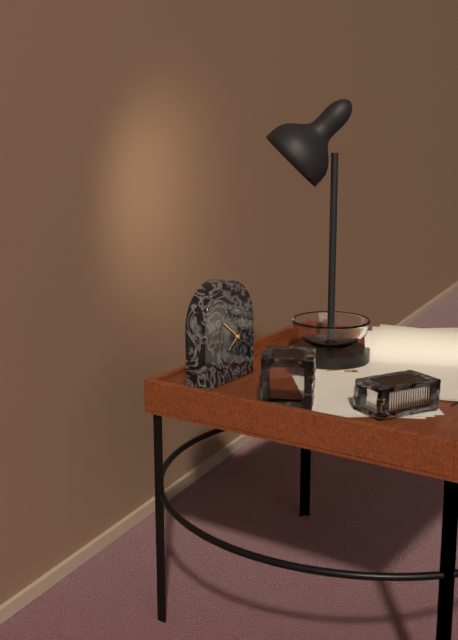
7:51
